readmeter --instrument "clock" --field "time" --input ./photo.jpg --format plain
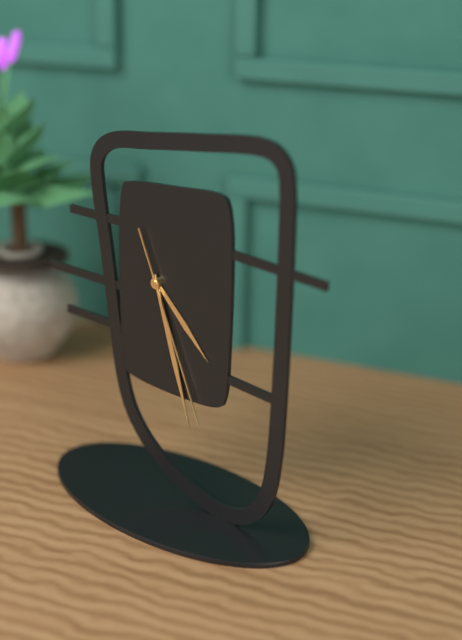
4:27:26
